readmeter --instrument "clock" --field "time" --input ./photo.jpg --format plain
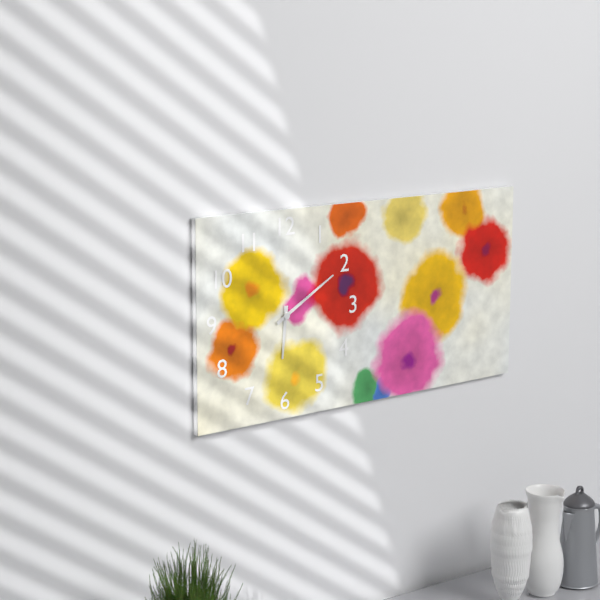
6:10
